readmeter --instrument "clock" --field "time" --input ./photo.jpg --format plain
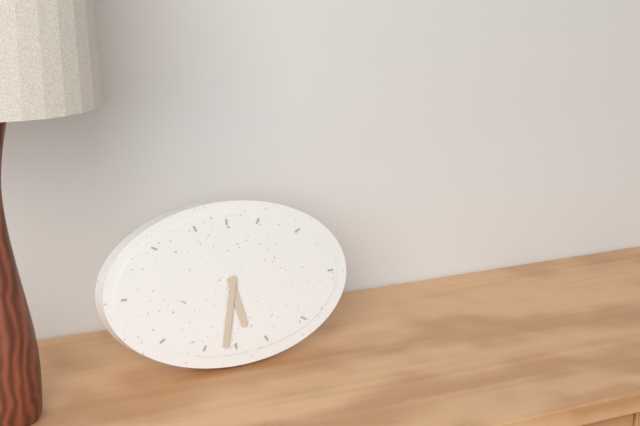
5:32
